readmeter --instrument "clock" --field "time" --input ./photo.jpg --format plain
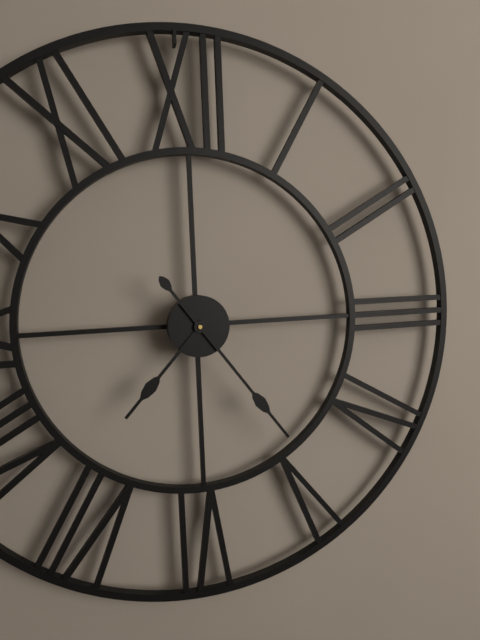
7:24
